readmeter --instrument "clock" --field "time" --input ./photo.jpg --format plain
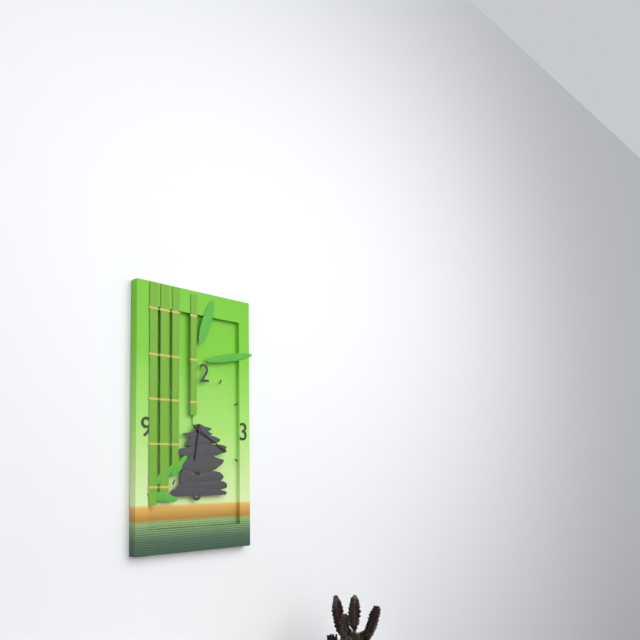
6:20
